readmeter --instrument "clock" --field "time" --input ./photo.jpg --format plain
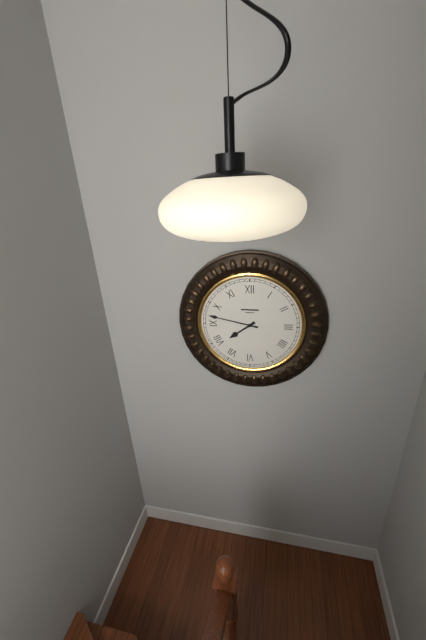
7:47
